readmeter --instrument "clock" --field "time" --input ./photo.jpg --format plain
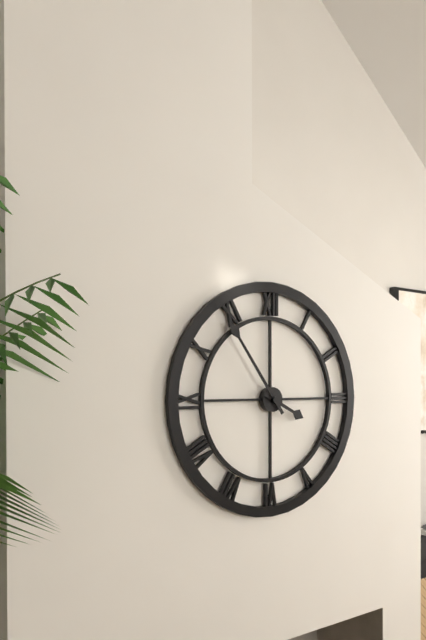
3:54
